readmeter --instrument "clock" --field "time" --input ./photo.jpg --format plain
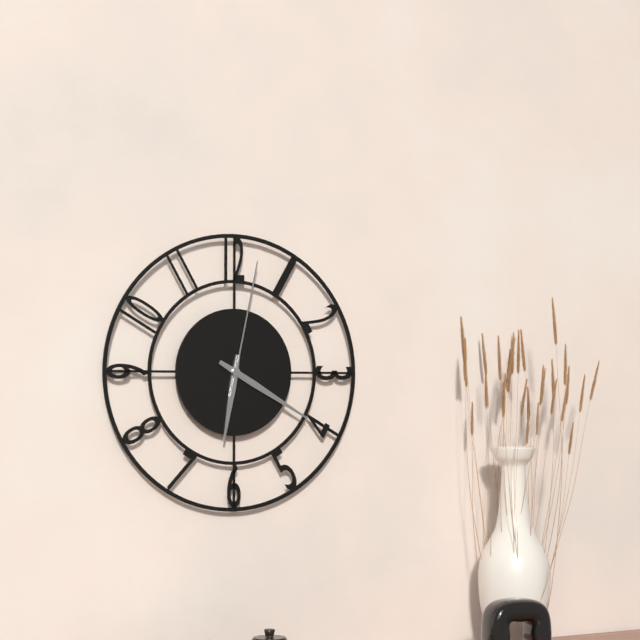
6:20:02
